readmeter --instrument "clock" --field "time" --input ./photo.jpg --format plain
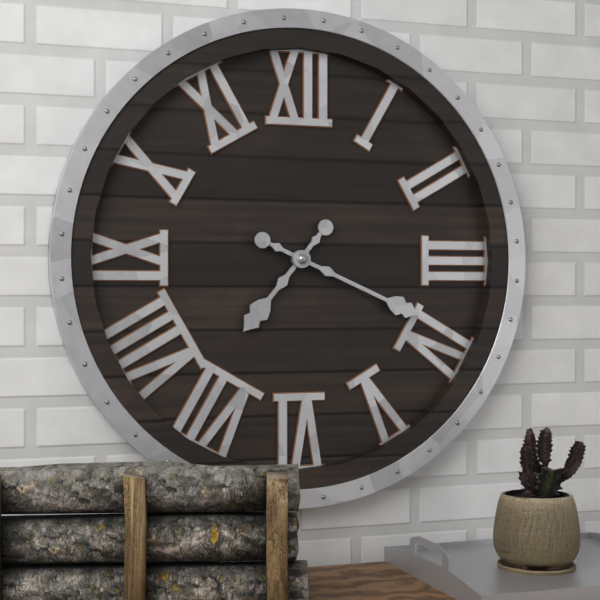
7:19
